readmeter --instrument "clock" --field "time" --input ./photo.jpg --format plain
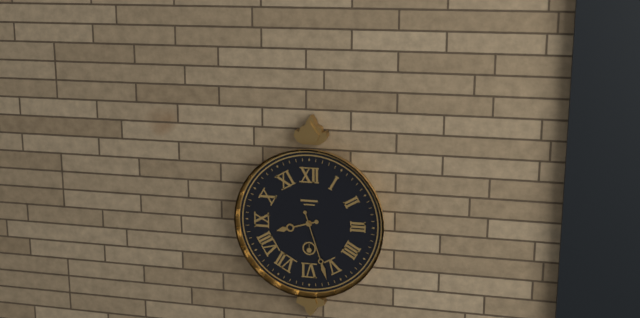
8:27
